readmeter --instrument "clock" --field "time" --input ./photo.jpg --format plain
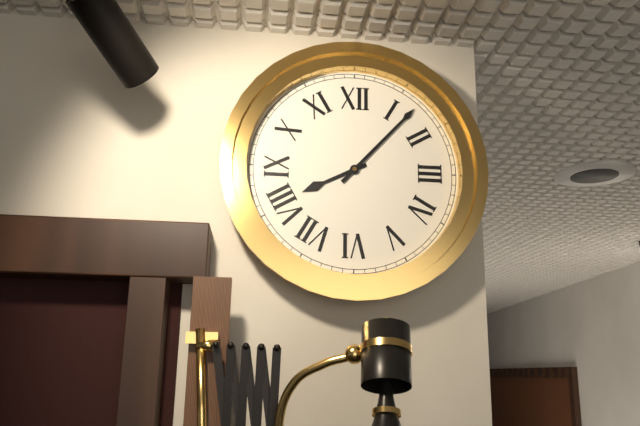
8:07
